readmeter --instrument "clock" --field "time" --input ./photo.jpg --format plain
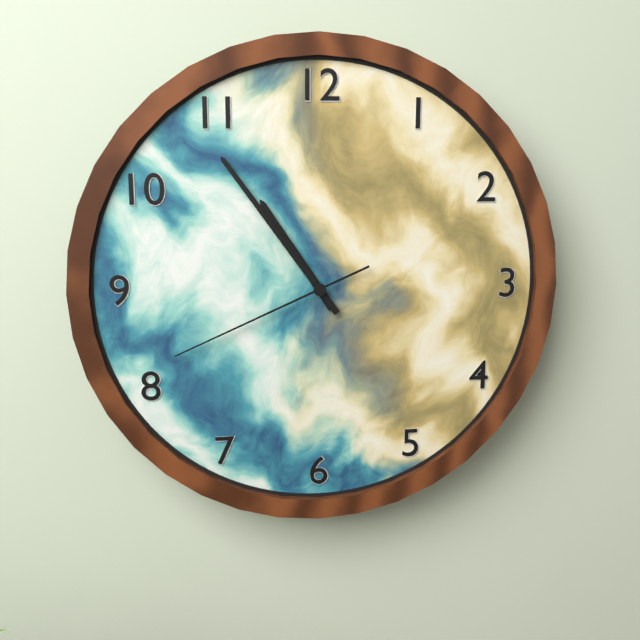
10:54:41
